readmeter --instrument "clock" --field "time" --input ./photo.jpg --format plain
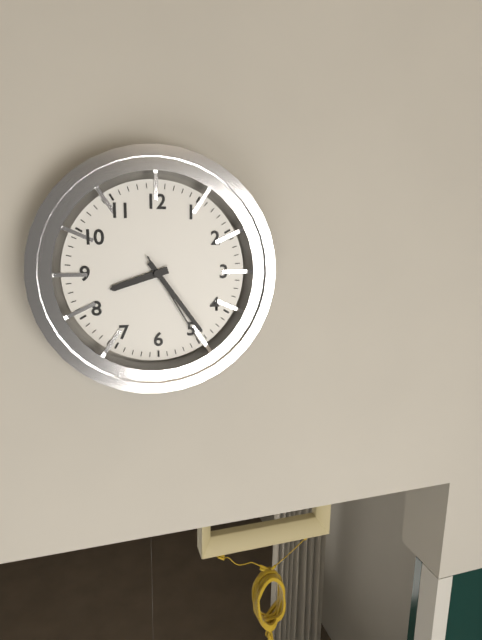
8:24:25
